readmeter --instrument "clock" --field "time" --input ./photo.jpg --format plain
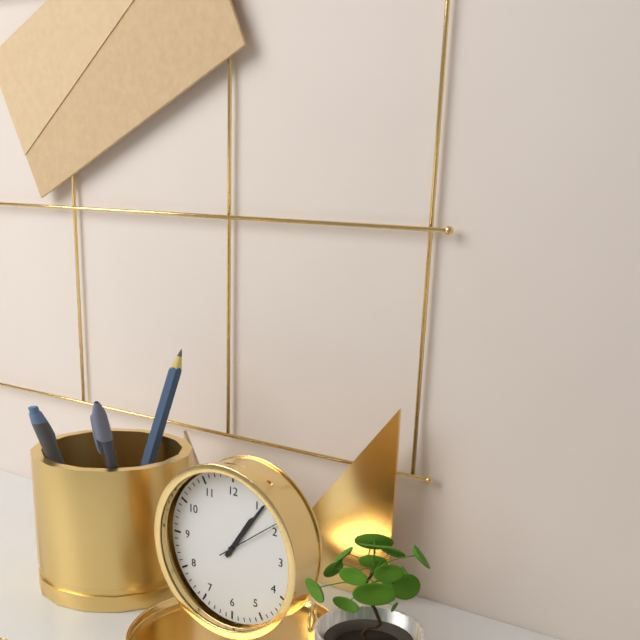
1:06:09
